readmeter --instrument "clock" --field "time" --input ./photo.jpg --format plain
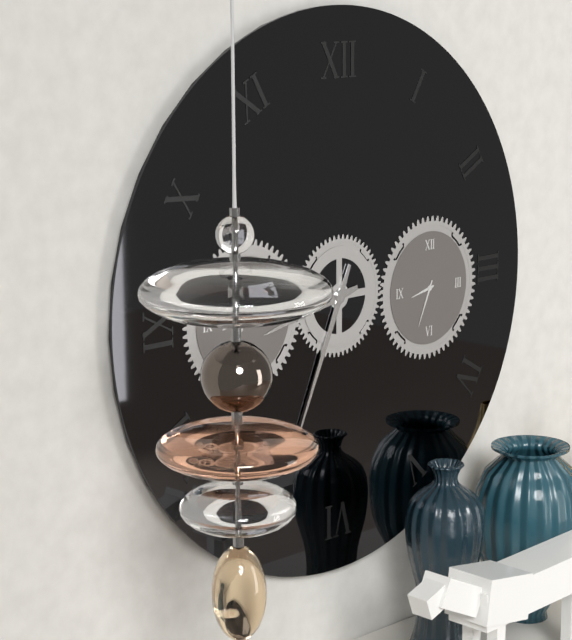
8:34
